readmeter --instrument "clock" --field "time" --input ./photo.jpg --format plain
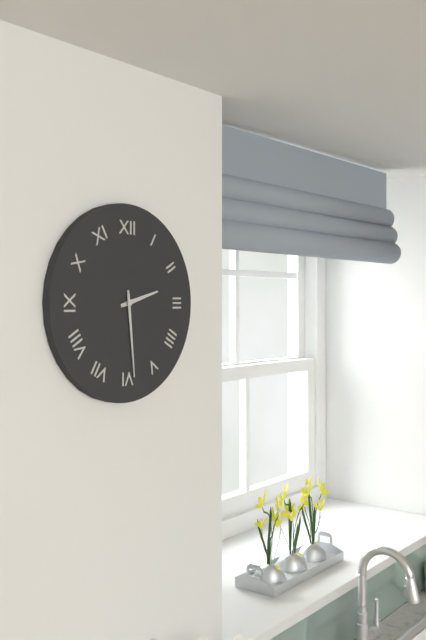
2:29
